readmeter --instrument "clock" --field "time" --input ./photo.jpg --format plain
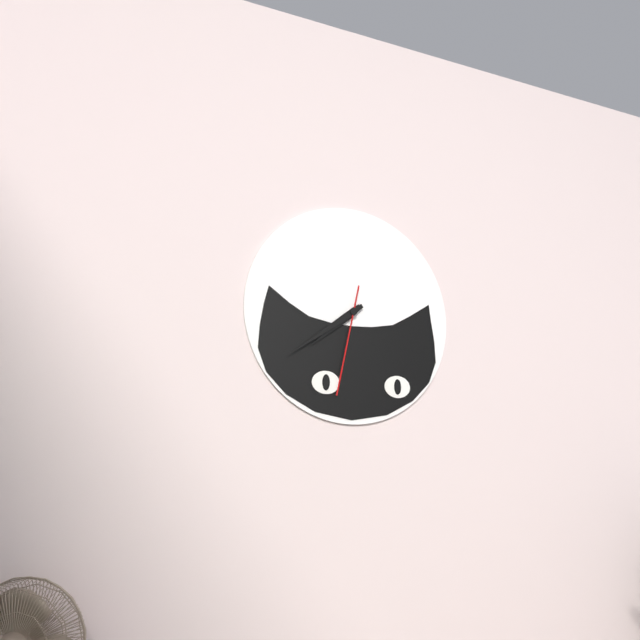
7:39:32
